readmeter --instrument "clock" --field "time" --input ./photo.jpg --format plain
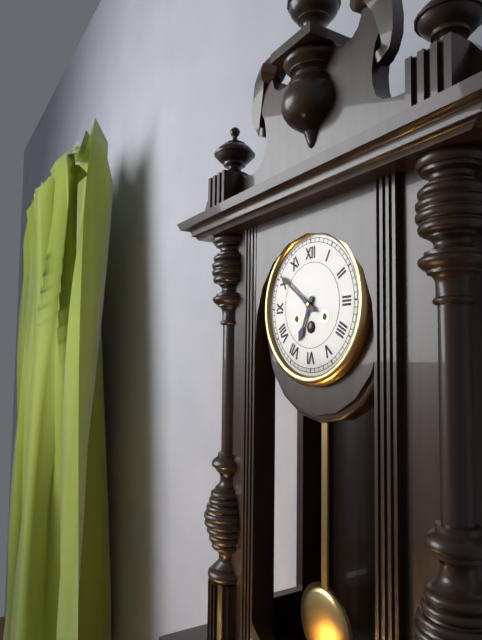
6:51
